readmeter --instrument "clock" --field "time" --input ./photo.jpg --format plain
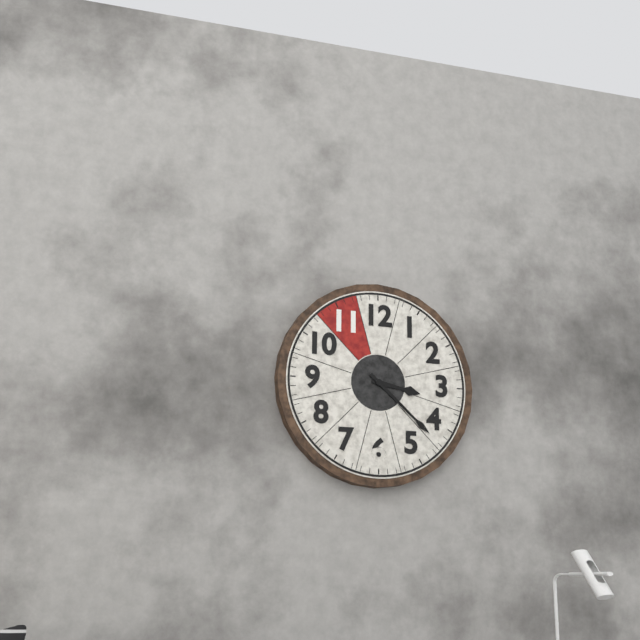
3:22
